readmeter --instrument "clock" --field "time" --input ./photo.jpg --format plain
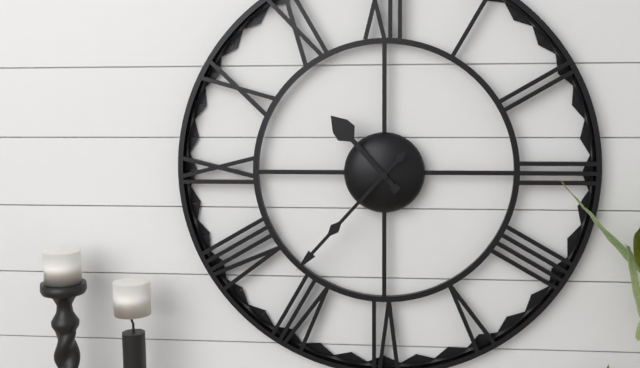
10:37
